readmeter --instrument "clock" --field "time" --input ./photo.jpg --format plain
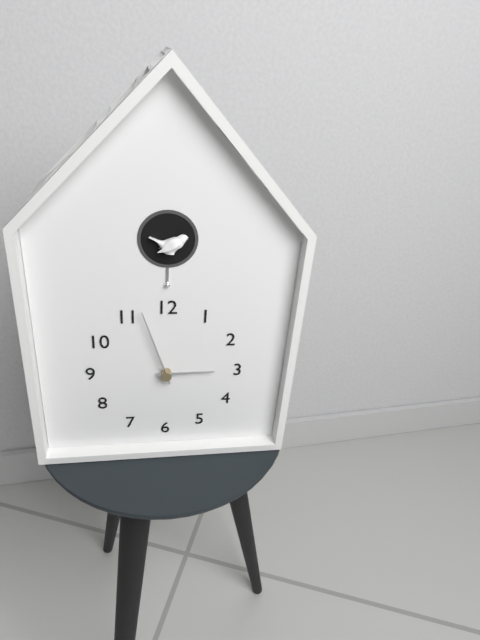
2:57
